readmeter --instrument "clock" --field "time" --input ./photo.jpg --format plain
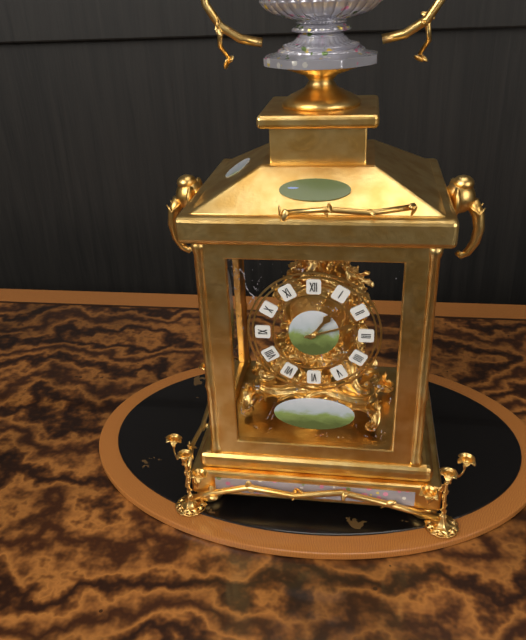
1:12
